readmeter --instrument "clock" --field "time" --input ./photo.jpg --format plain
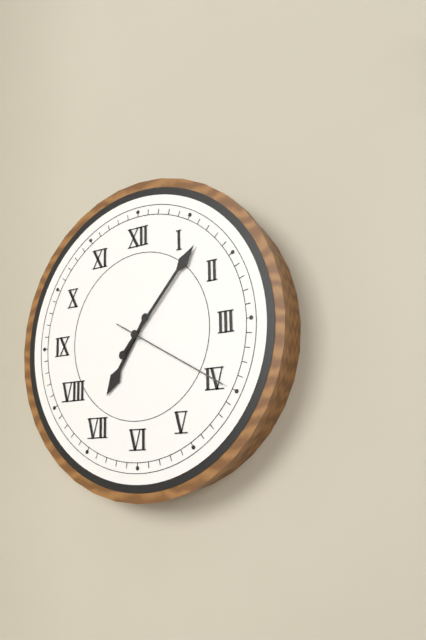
7:07:20
